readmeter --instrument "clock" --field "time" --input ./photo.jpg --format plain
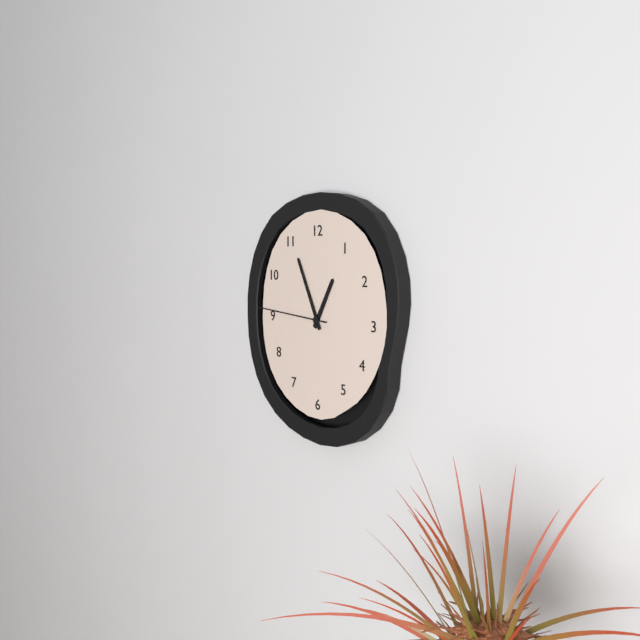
12:56:46
